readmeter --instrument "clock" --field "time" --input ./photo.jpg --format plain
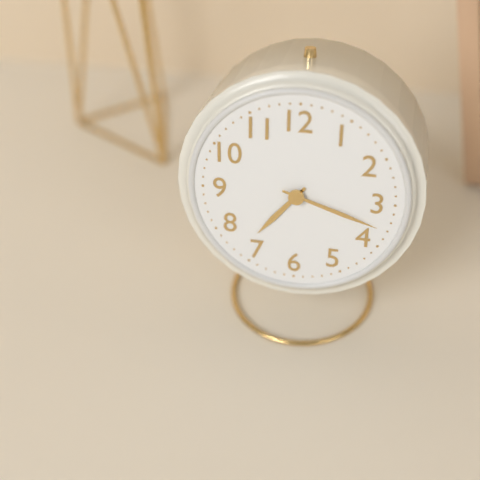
7:18
